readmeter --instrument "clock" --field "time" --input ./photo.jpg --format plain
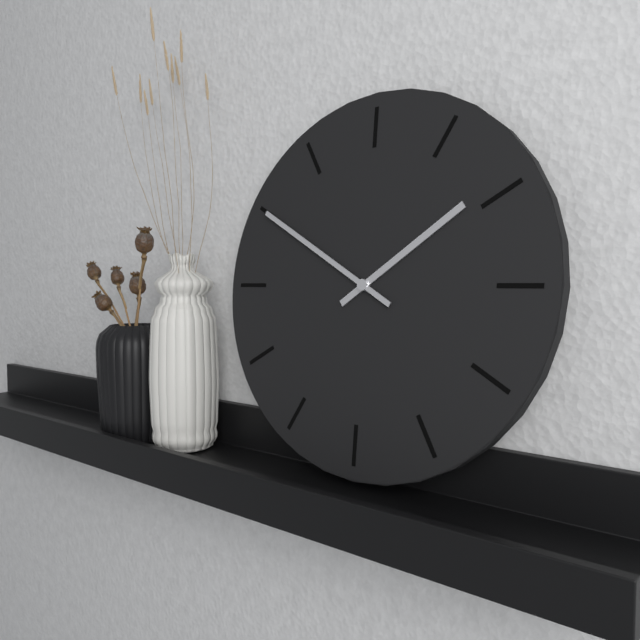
1:50
